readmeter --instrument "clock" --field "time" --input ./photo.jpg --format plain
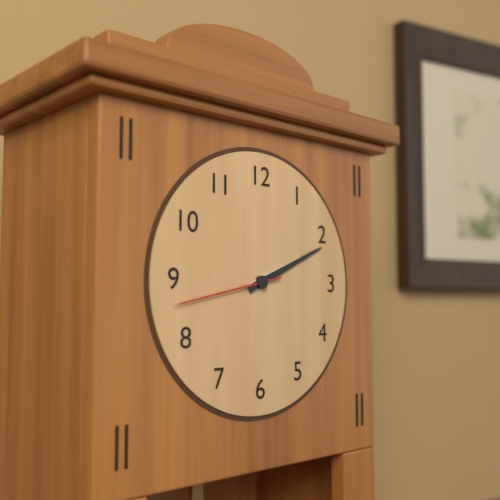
2:11:43
